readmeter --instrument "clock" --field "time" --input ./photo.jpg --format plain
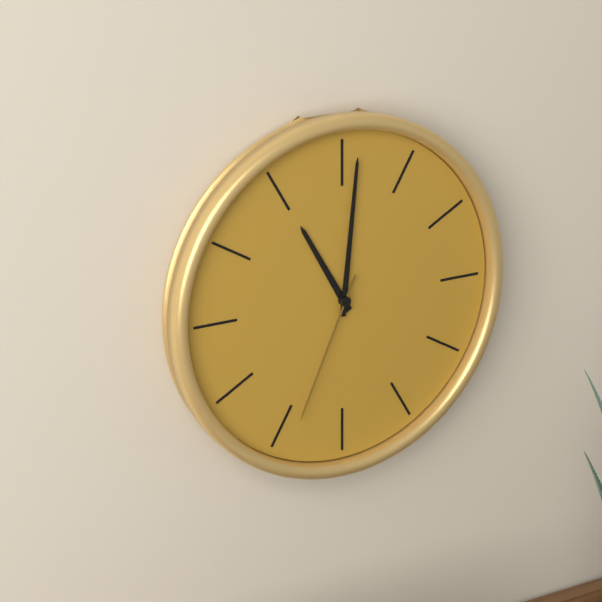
11:01:34
